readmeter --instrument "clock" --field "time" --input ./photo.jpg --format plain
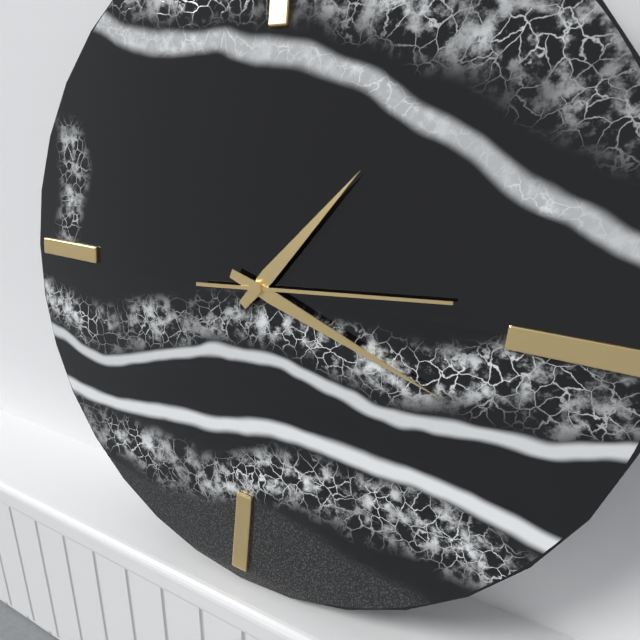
1:18:14
